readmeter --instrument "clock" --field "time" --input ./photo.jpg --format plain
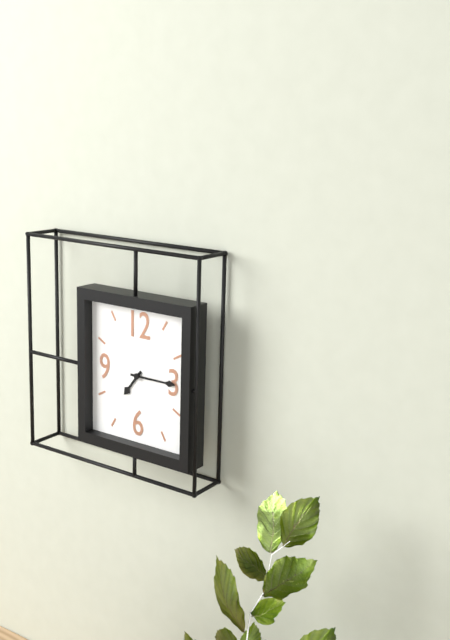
7:15
